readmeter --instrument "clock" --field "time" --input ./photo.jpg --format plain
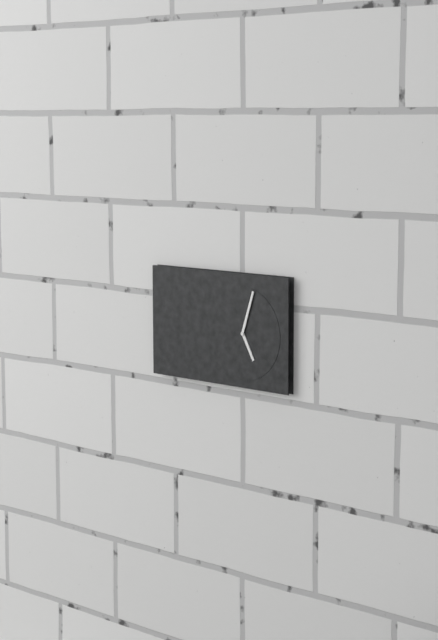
5:03
